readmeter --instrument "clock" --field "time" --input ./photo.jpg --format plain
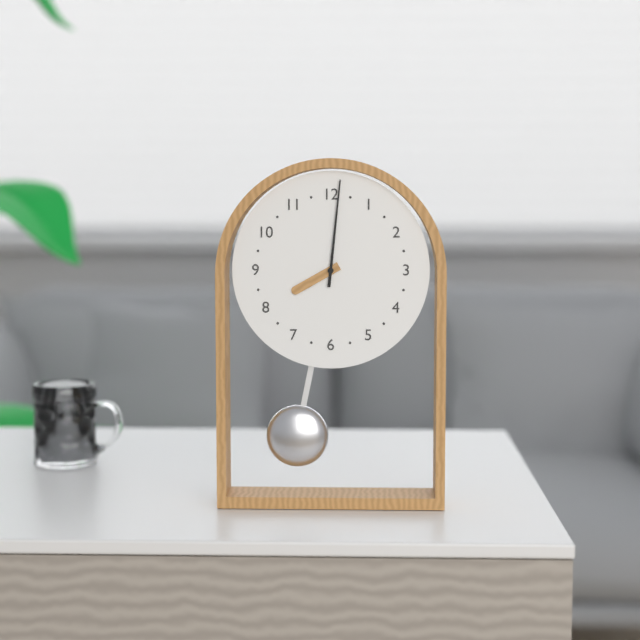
8:01
